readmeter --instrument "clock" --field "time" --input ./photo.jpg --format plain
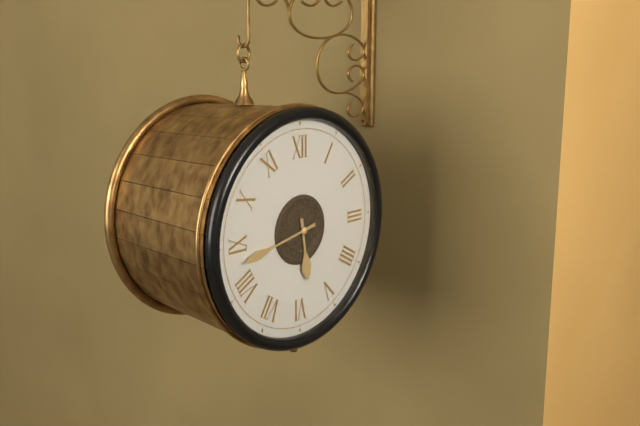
5:43
